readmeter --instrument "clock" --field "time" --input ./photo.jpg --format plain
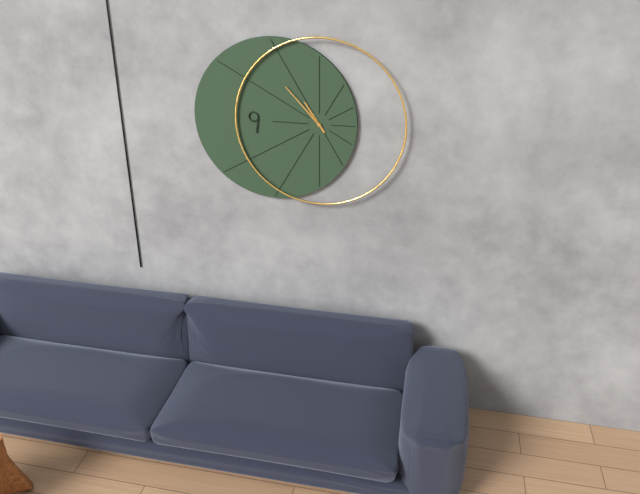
10:53
